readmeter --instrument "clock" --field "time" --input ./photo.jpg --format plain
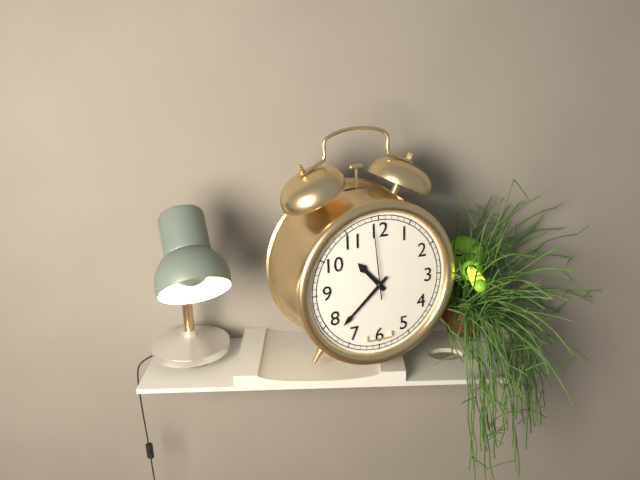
10:38:59
